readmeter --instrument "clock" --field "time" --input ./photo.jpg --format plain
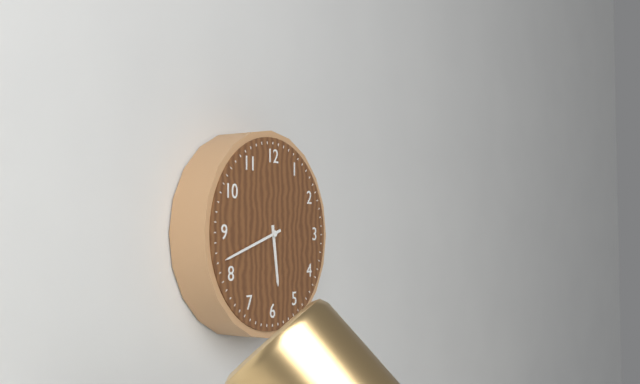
5:42
